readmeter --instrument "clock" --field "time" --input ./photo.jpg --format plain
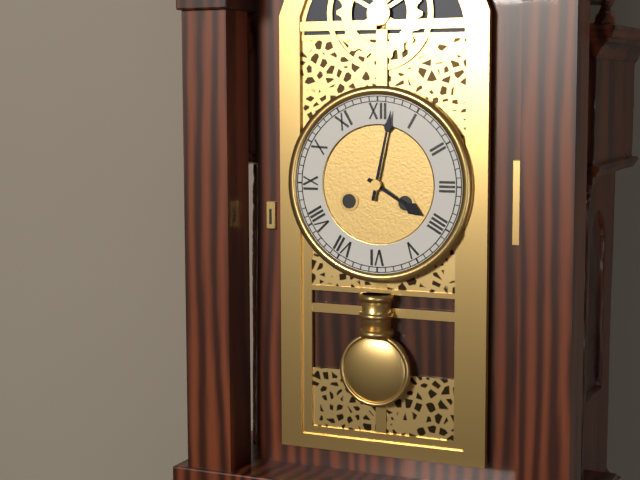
4:02
